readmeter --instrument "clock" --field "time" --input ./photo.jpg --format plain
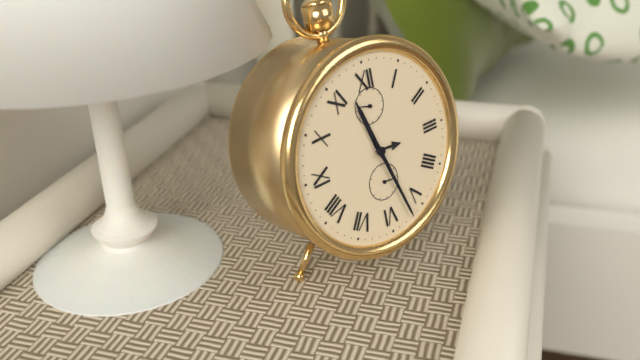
11:27
